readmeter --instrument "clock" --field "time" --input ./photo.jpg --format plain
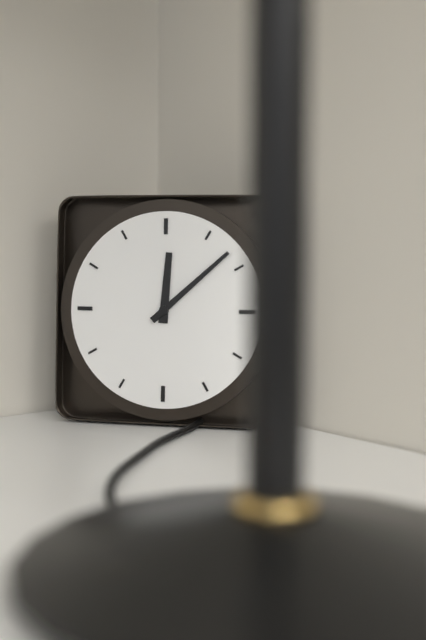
12:08
